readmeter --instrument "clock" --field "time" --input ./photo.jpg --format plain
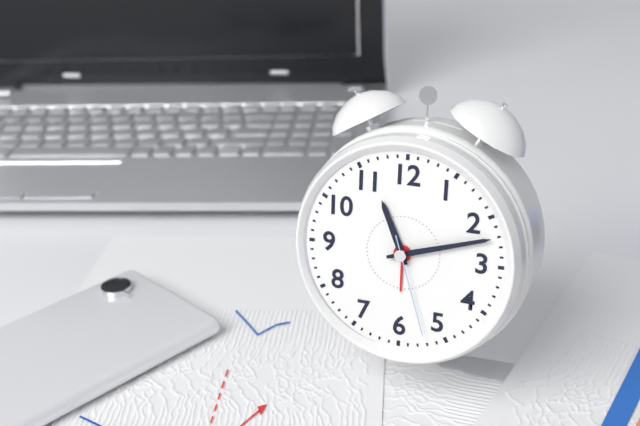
11:12:27
